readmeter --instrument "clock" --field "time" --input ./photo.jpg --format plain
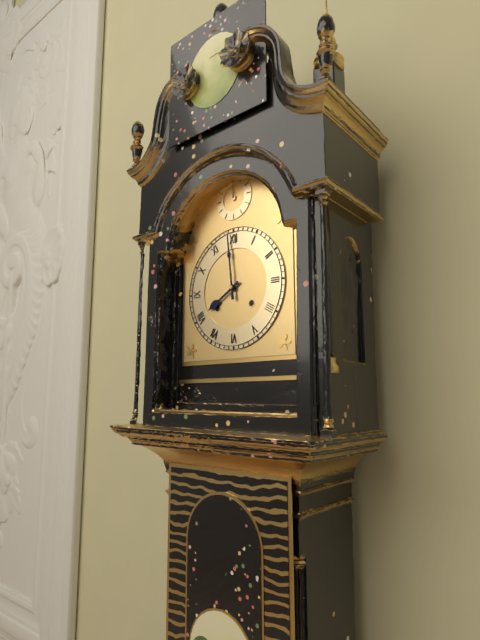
7:59
